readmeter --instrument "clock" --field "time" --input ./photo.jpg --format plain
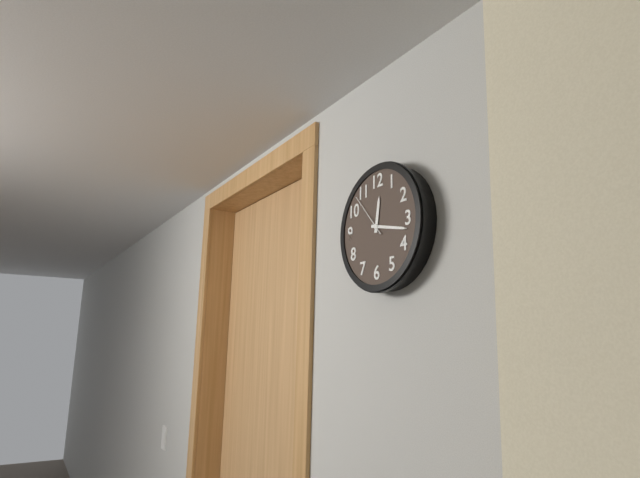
12:17
